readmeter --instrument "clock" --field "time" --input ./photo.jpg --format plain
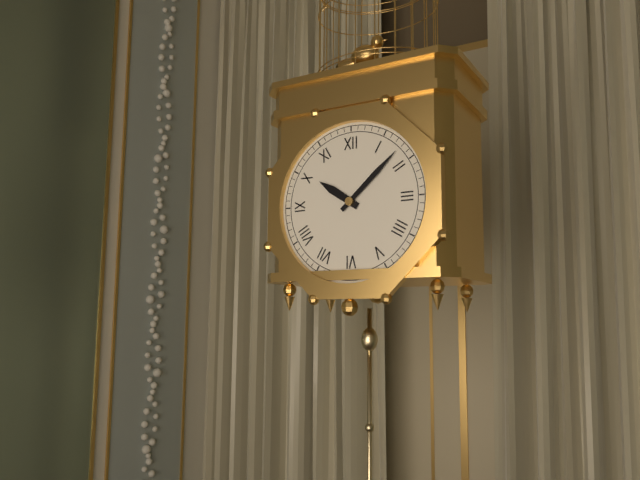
10:08
